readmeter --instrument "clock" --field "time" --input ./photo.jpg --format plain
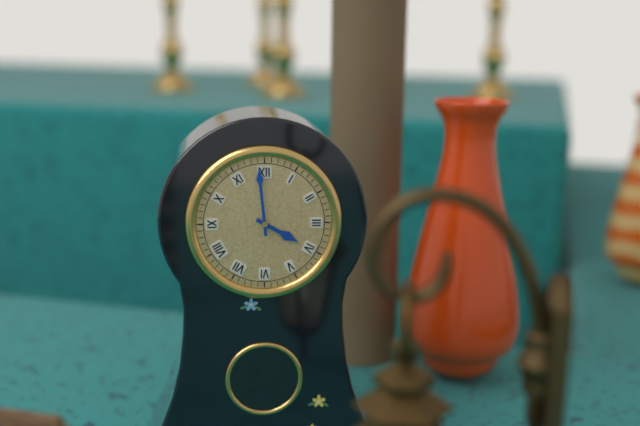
3:59
